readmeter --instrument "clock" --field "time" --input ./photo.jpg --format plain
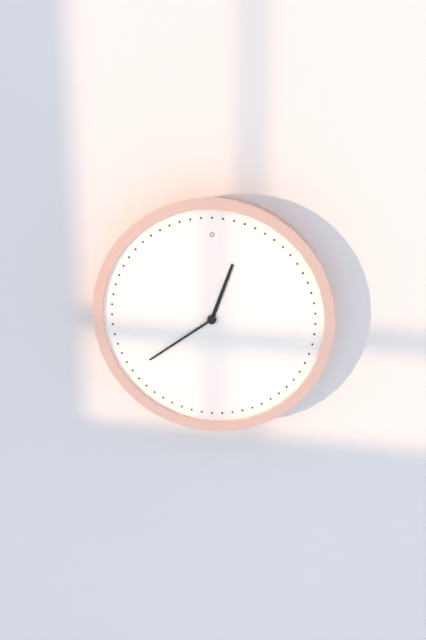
12:39
